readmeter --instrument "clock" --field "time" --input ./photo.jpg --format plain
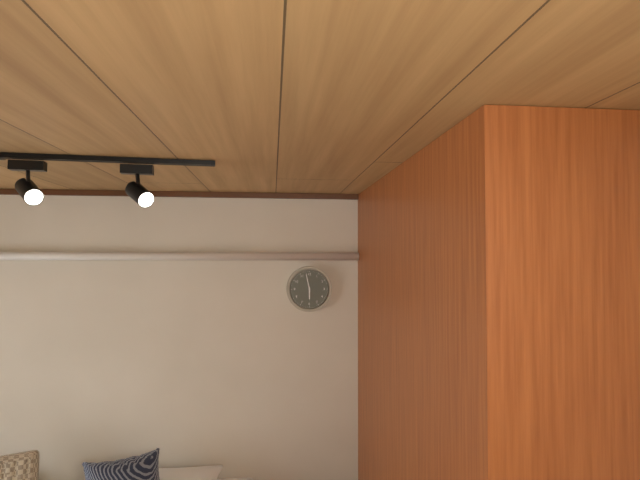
5:58
